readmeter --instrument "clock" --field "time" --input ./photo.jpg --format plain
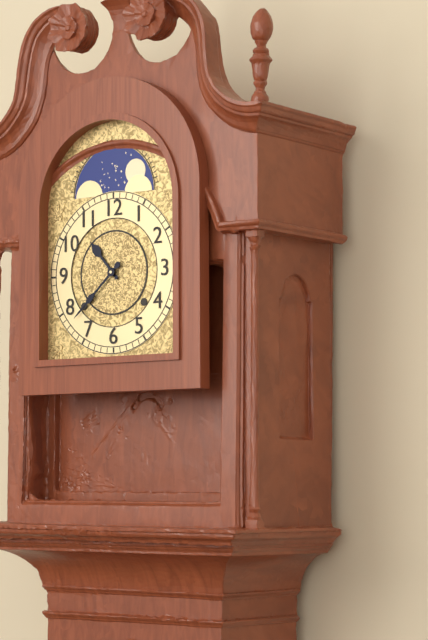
10:38
